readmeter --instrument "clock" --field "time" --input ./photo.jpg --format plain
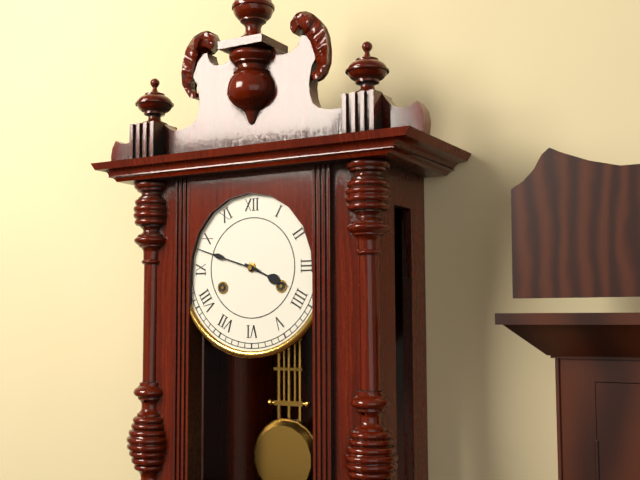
3:48
